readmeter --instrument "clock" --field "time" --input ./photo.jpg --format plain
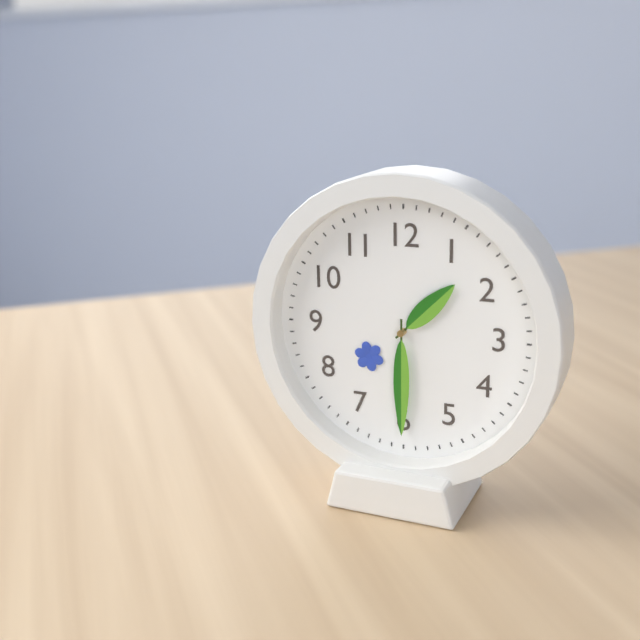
1:30
